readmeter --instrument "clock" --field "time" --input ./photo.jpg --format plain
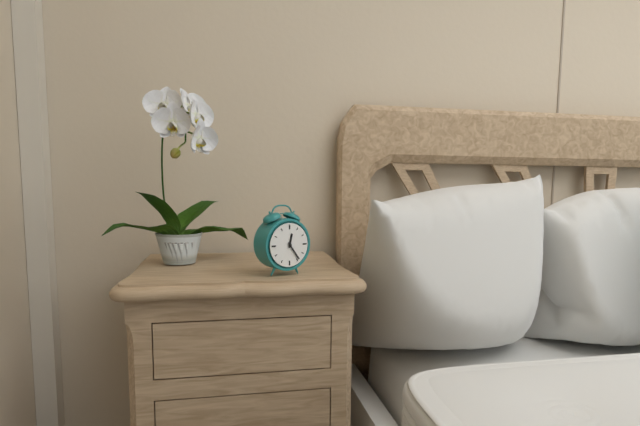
12:24
